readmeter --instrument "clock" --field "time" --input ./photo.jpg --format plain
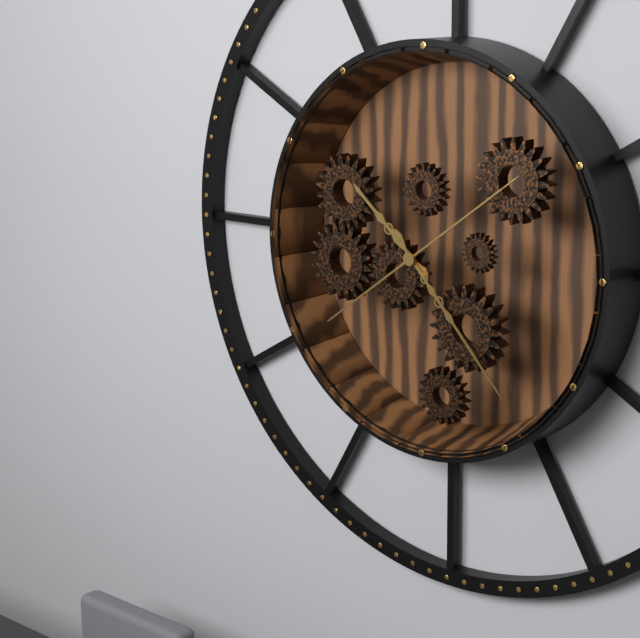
10:23:09
